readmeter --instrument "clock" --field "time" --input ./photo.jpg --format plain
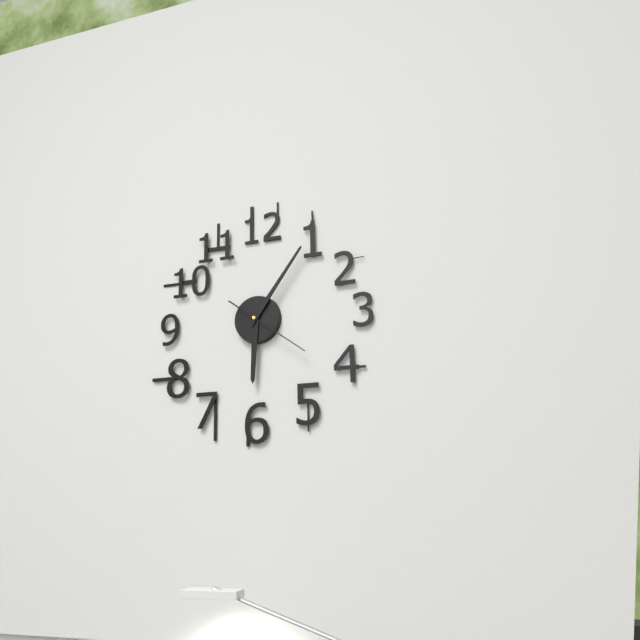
6:06:21
